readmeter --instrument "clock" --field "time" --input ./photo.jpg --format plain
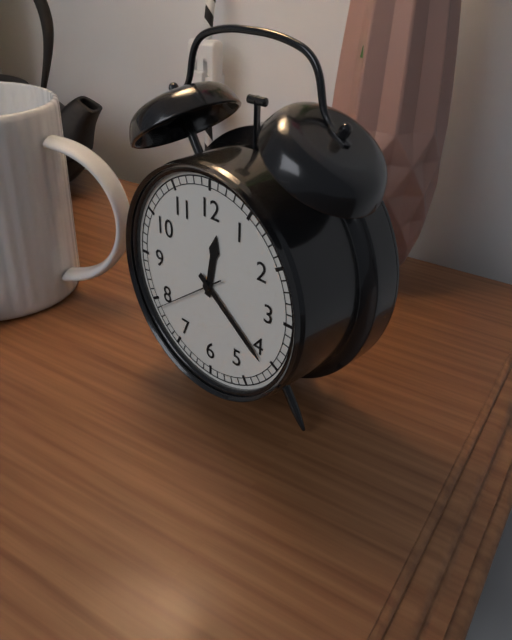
12:21:39
